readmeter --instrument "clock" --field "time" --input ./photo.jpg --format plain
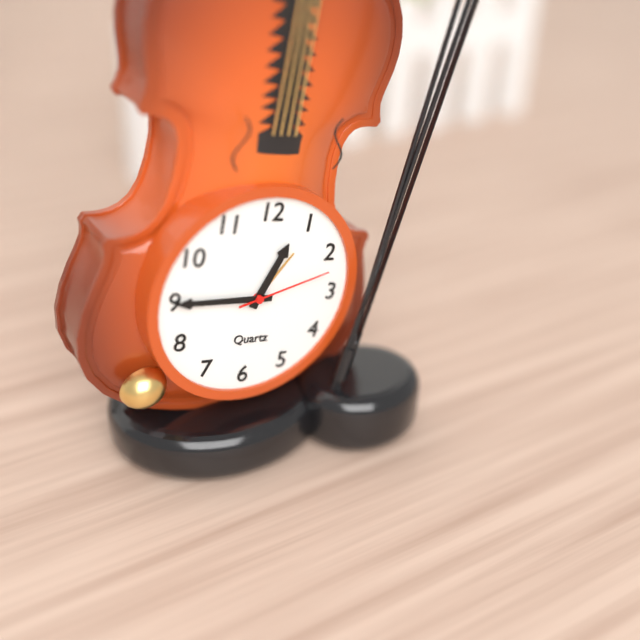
12:45:12
